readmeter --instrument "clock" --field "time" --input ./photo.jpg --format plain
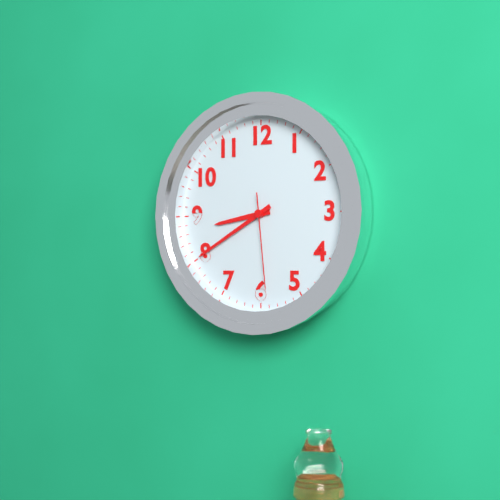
8:40:29
